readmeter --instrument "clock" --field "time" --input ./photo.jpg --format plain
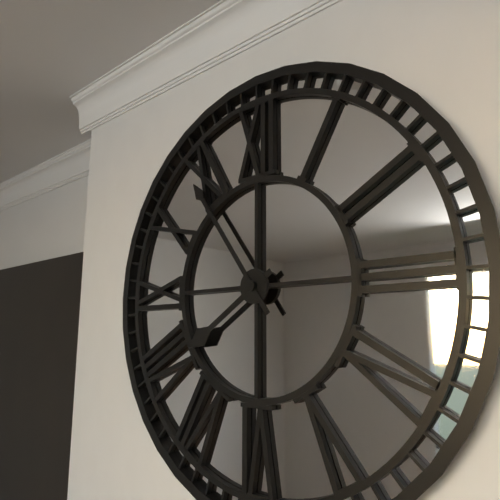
7:54
